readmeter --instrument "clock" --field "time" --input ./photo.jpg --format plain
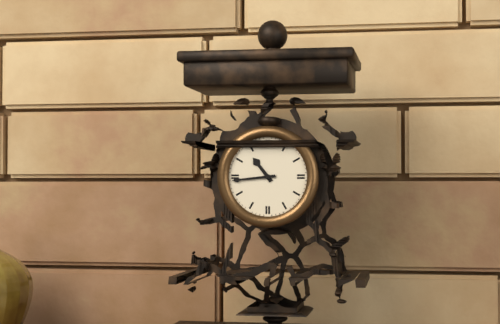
10:44
